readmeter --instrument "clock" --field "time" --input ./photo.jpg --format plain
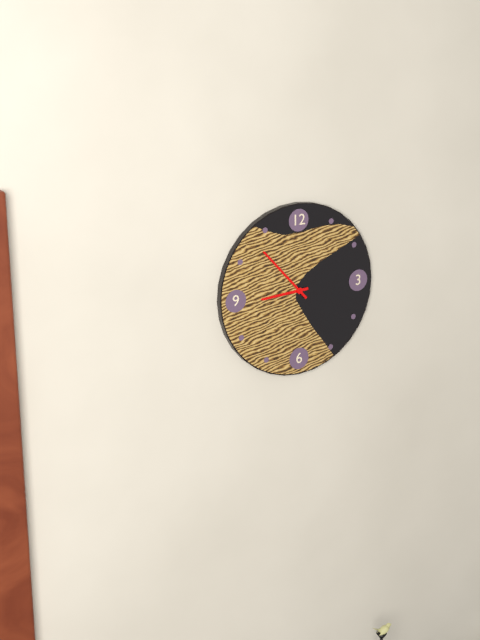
8:53
